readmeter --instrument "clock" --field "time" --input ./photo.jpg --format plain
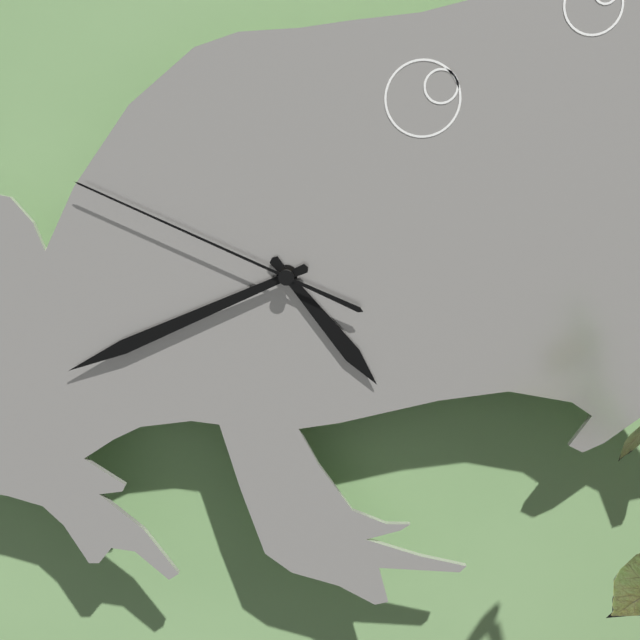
4:41:49
